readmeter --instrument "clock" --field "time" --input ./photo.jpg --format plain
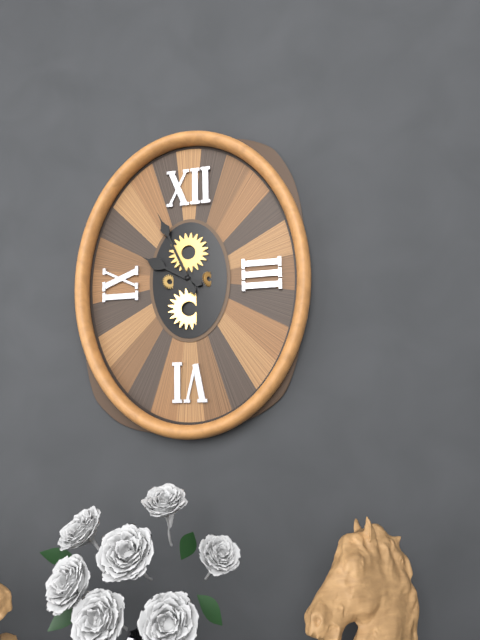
9:56
